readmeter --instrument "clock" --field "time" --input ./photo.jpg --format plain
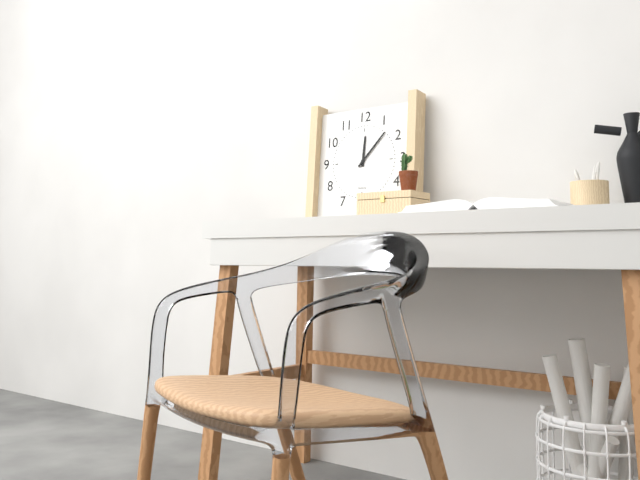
12:07
